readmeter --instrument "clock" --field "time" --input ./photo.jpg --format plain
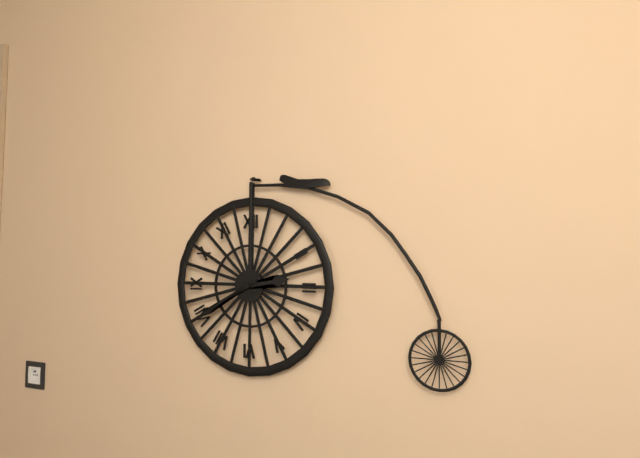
2:40
